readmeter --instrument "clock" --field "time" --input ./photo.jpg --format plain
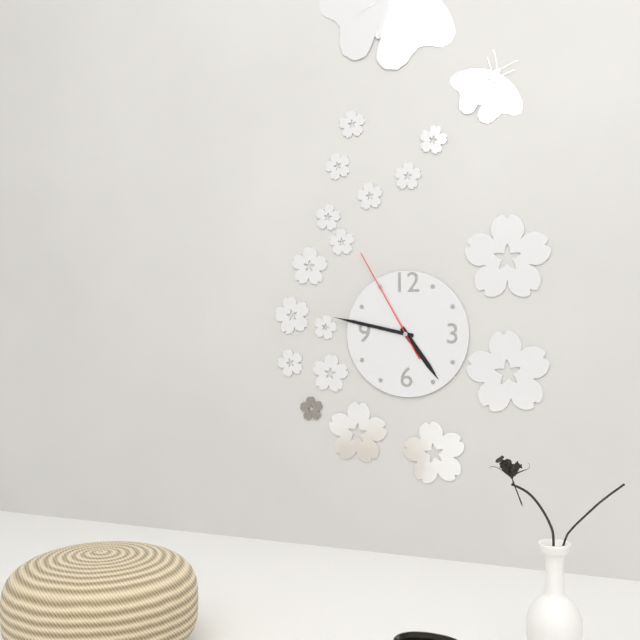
4:47:55
